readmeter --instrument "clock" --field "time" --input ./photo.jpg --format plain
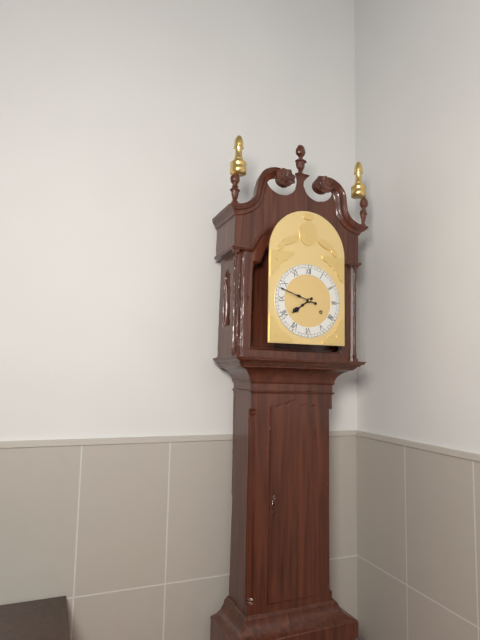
7:48
